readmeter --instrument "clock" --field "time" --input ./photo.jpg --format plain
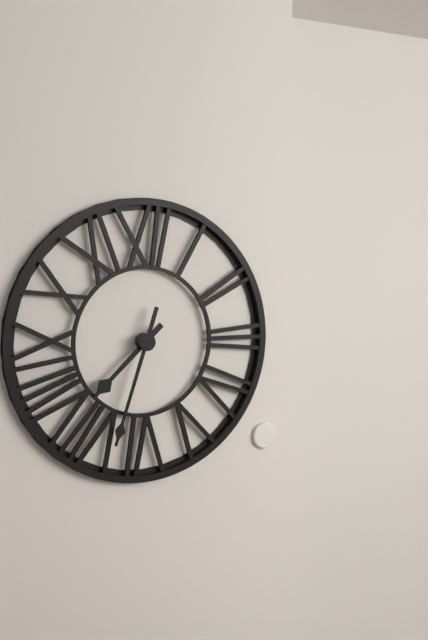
7:33
